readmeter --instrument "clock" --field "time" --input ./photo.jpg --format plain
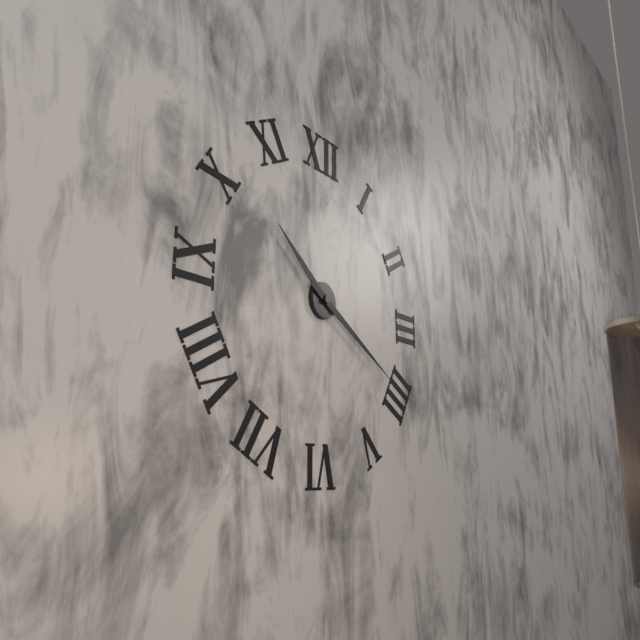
10:20
